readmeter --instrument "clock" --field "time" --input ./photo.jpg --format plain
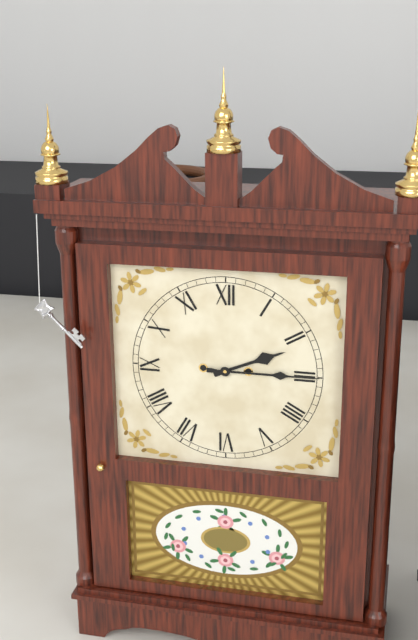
2:15
